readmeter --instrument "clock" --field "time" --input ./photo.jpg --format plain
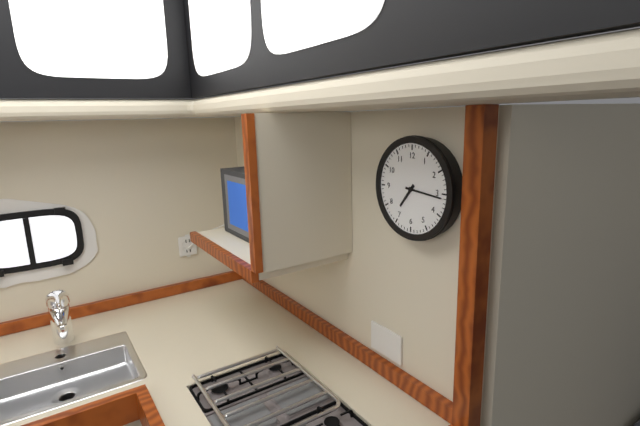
7:16
